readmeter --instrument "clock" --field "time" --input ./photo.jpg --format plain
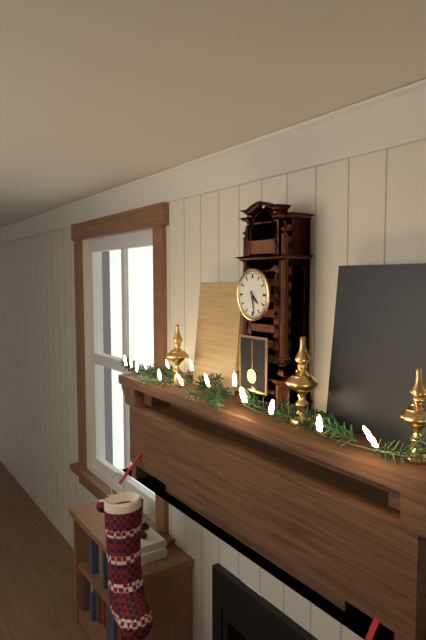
4:28
